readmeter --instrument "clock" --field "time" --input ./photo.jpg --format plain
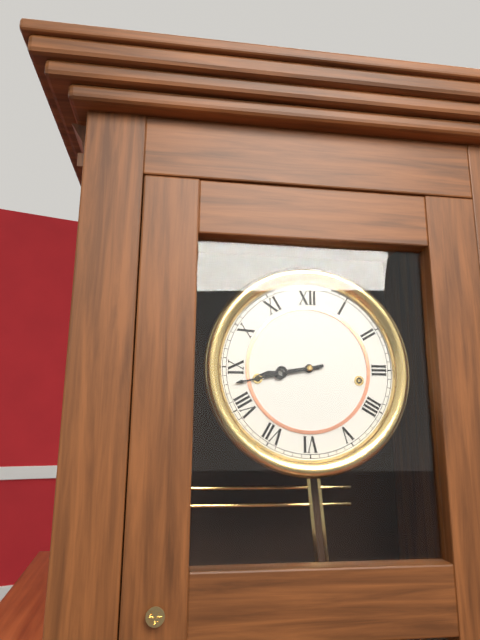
8:43
